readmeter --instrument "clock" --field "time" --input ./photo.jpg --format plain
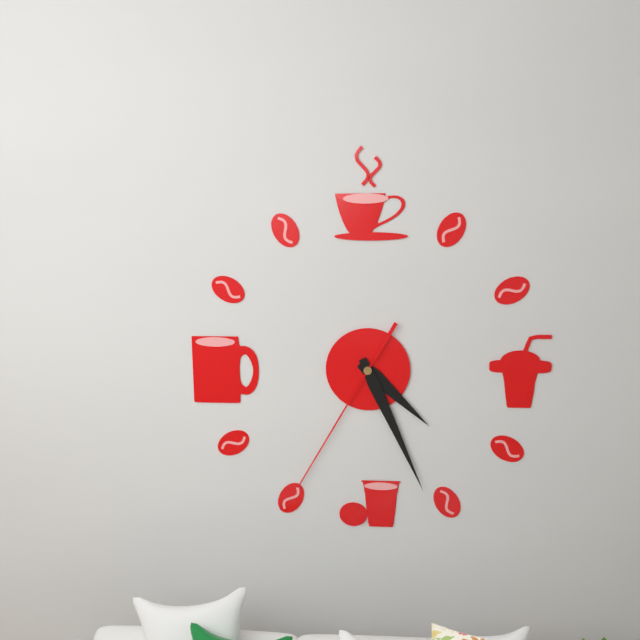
4:26:35
